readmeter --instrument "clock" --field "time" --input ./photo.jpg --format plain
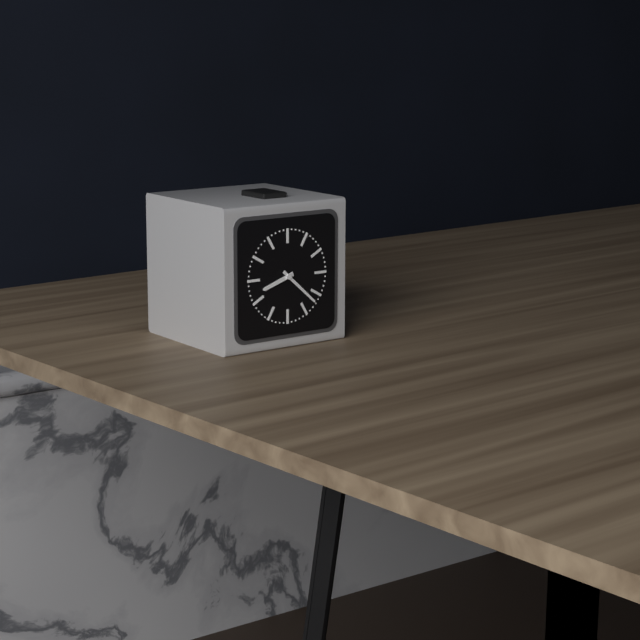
8:22
